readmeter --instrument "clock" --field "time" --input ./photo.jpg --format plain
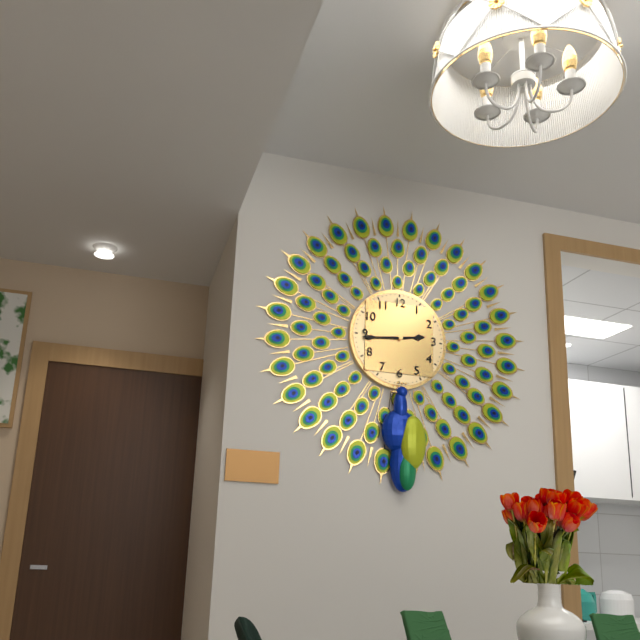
2:44
